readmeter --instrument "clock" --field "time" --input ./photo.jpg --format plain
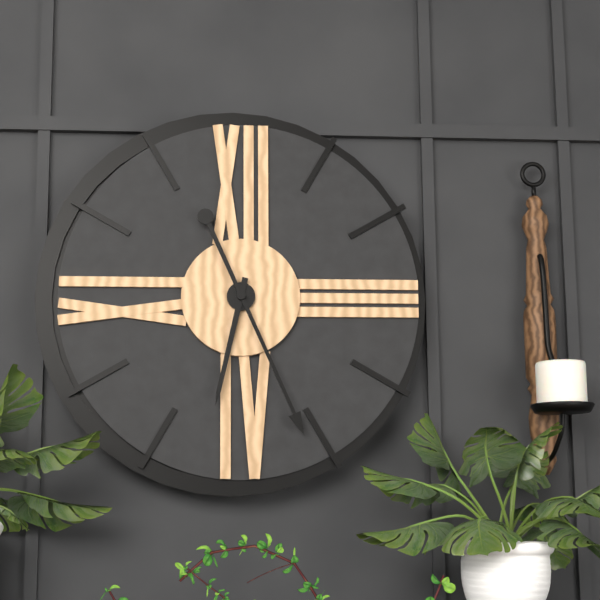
6:26
